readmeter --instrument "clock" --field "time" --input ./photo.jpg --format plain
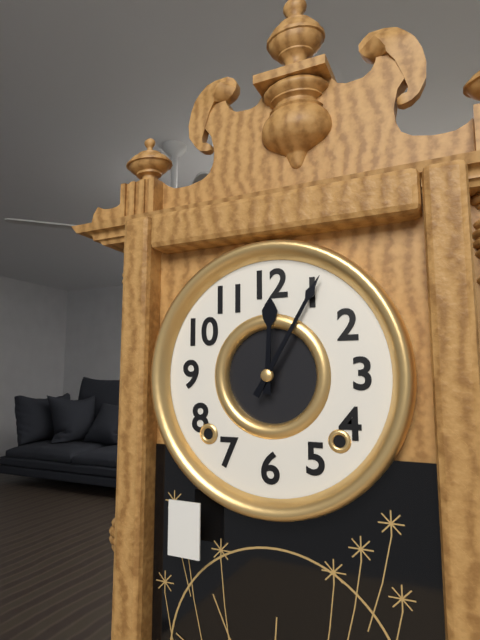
12:05
